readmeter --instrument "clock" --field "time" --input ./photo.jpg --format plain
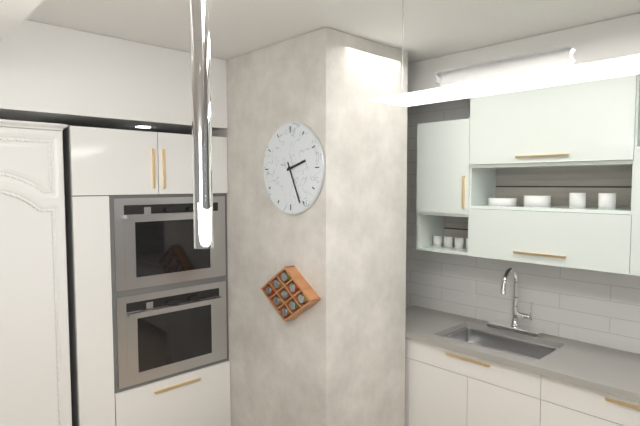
2:26
